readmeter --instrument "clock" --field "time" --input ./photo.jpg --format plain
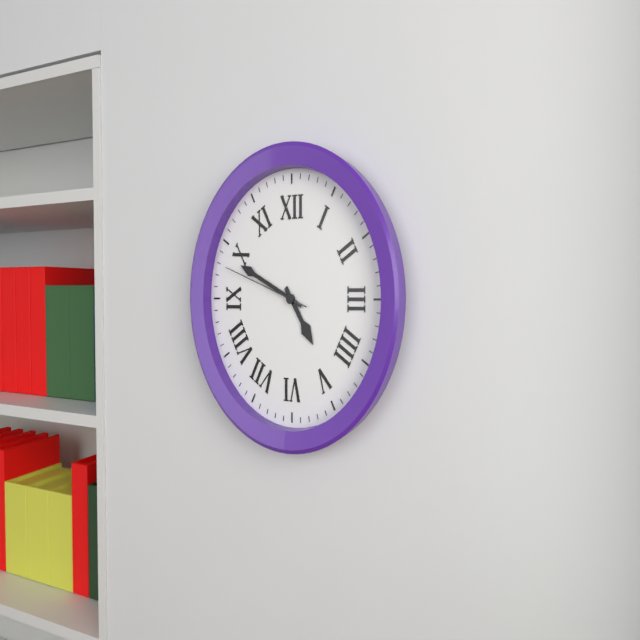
4:49:48
